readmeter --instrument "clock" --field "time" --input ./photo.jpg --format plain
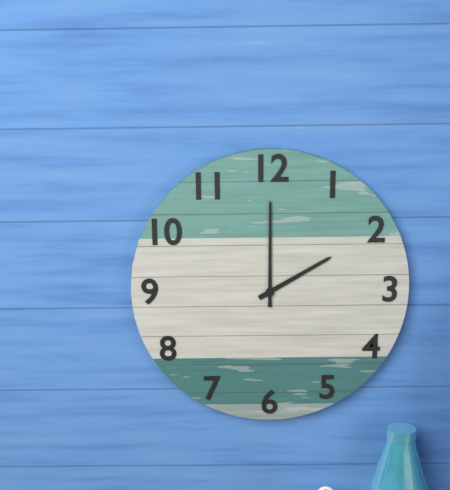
2:00
